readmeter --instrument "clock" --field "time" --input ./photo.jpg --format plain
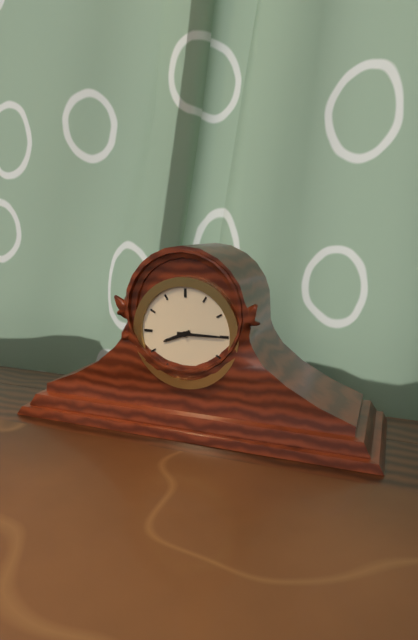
8:15
